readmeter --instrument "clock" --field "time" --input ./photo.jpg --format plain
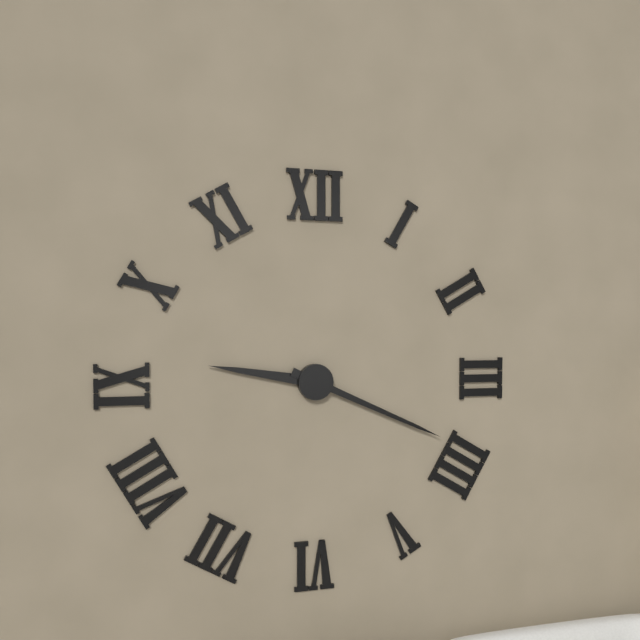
9:19
